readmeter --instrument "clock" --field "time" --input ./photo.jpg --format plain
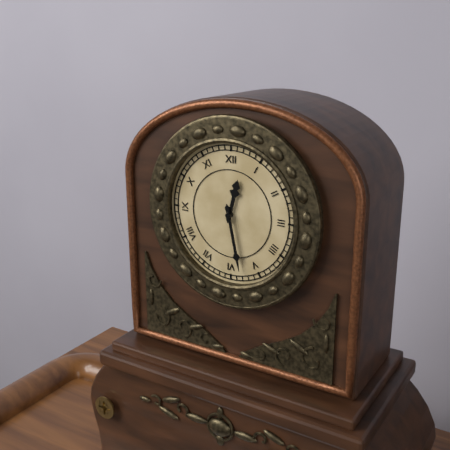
12:28
